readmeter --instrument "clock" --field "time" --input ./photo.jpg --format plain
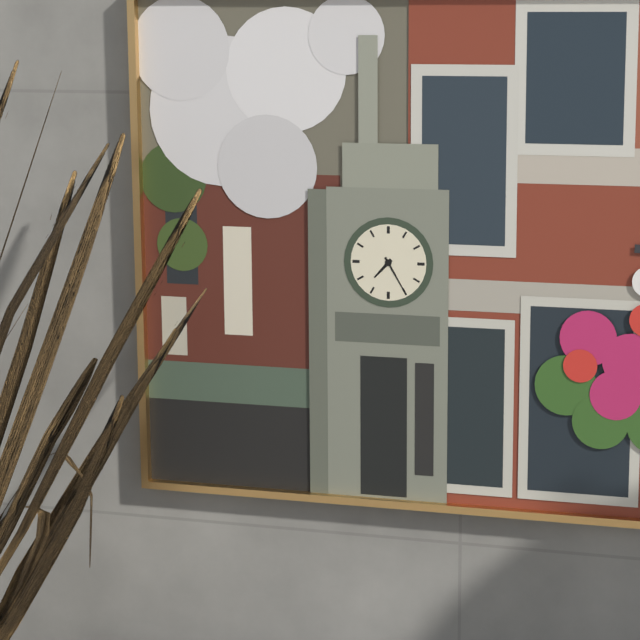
7:25
